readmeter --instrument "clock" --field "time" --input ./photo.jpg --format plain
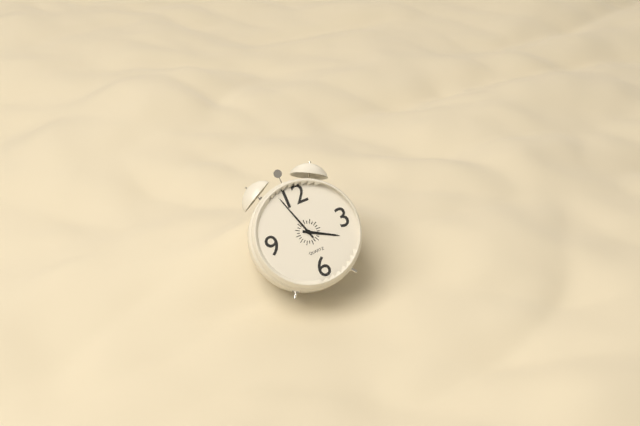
3:57
